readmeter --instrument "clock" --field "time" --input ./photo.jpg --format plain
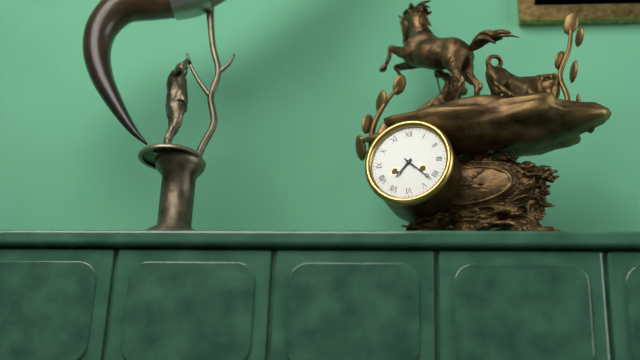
7:22
